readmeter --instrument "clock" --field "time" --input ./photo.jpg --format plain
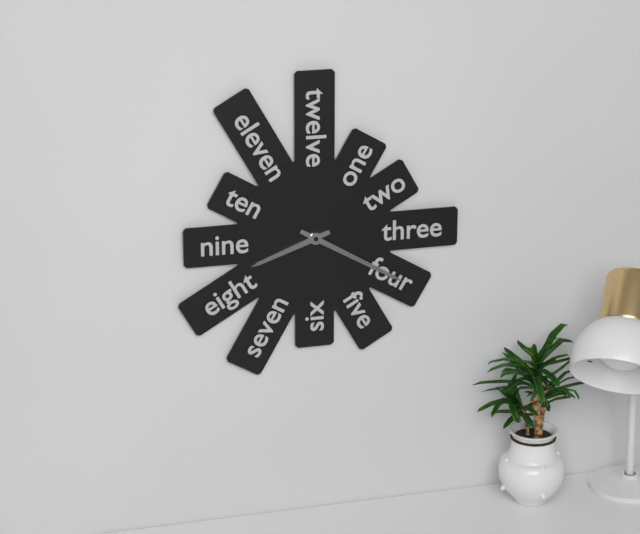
8:20
